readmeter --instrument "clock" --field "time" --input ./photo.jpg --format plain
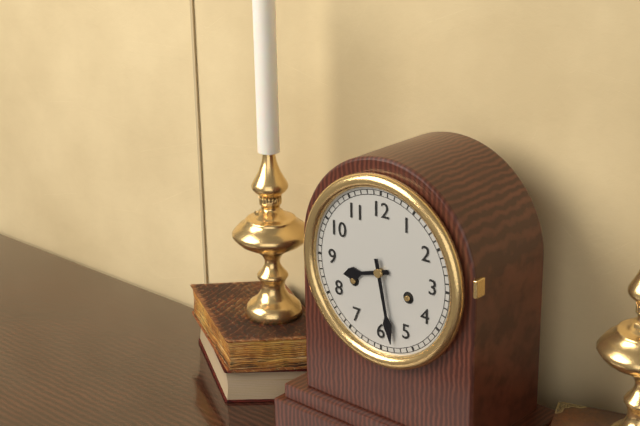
8:28
